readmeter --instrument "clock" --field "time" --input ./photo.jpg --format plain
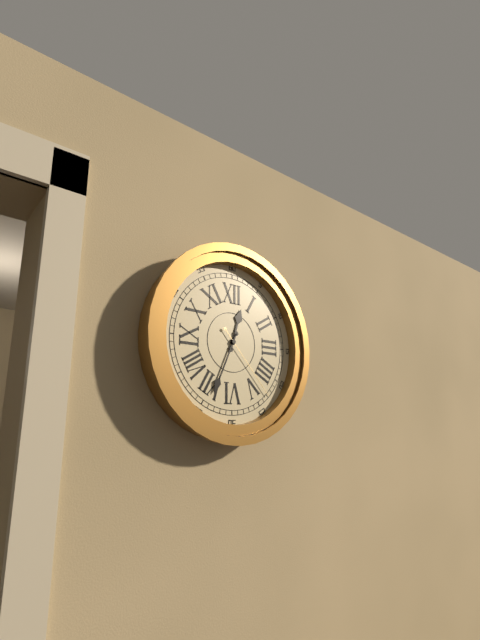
12:34:23
